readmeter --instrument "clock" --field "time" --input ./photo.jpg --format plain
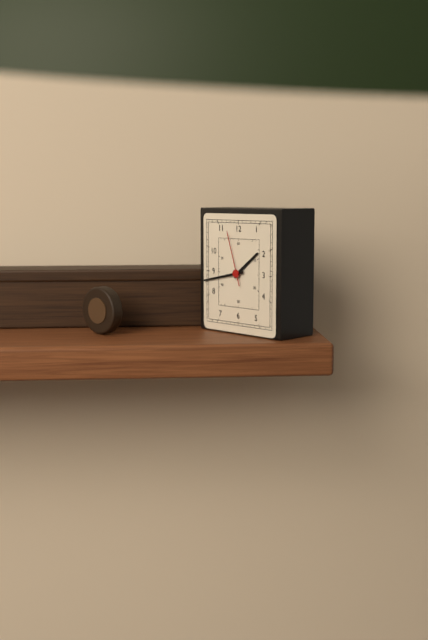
1:43:57
